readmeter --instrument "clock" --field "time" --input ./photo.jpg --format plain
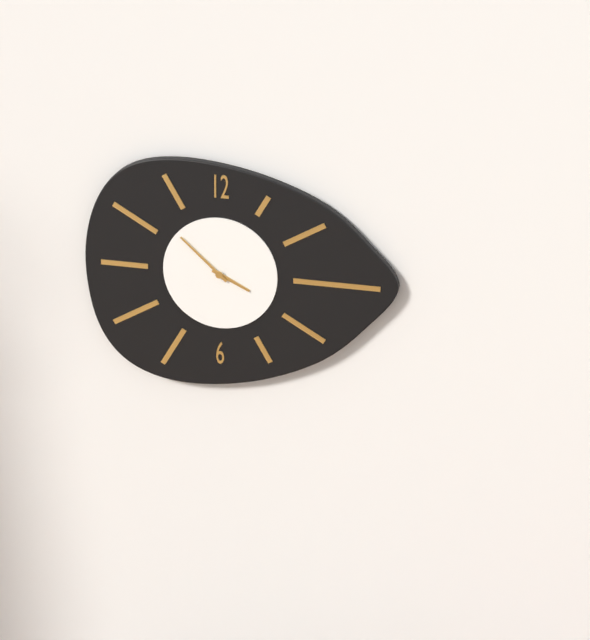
3:52
